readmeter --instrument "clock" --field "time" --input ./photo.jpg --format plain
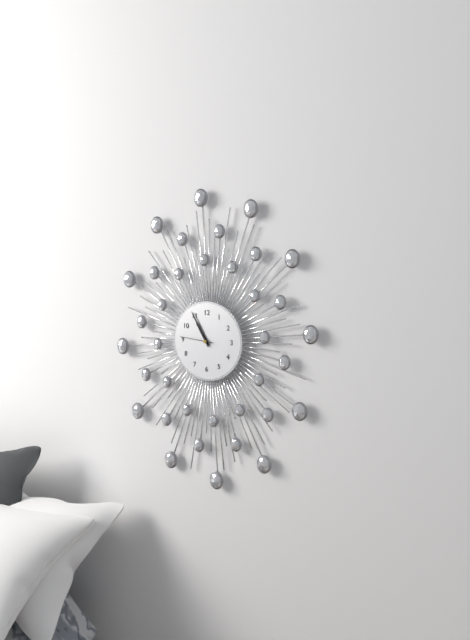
10:55
